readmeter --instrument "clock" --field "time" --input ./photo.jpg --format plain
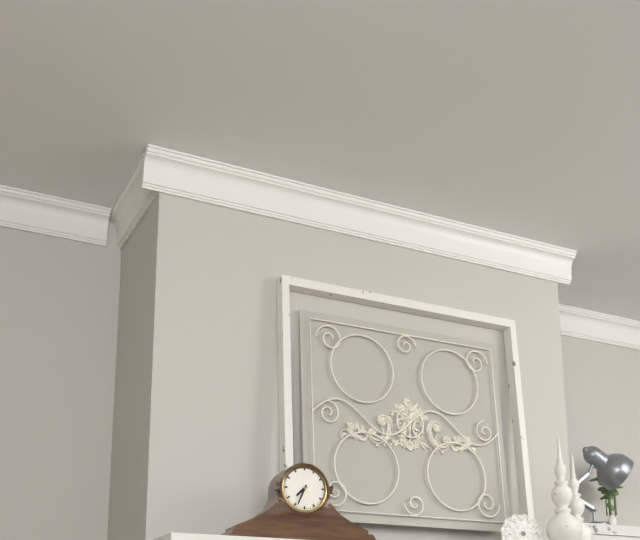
7:34
